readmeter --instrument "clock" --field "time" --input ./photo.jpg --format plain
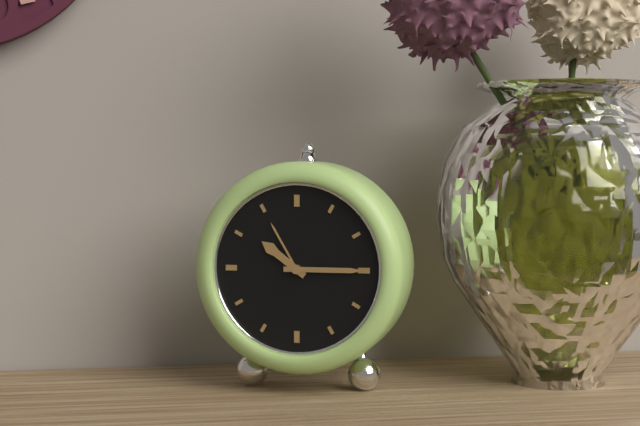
10:15
